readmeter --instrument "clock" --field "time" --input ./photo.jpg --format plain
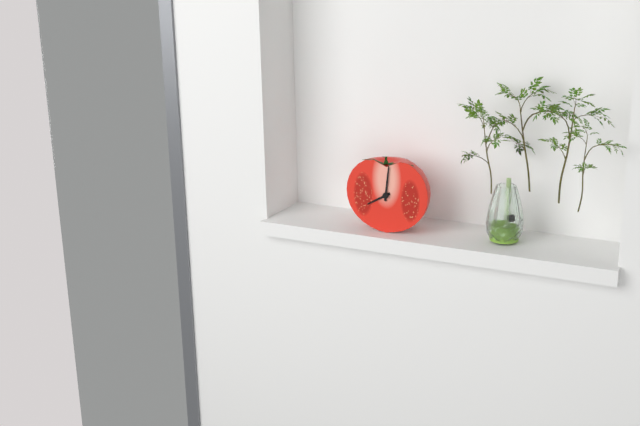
8:01
